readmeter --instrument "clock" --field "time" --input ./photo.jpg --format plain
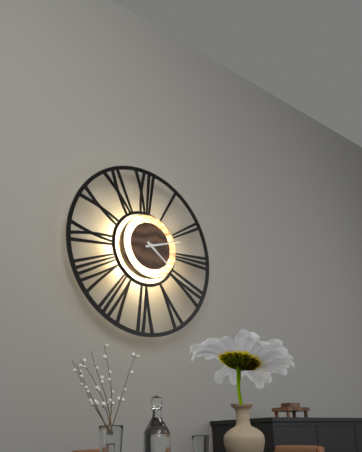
4:12
